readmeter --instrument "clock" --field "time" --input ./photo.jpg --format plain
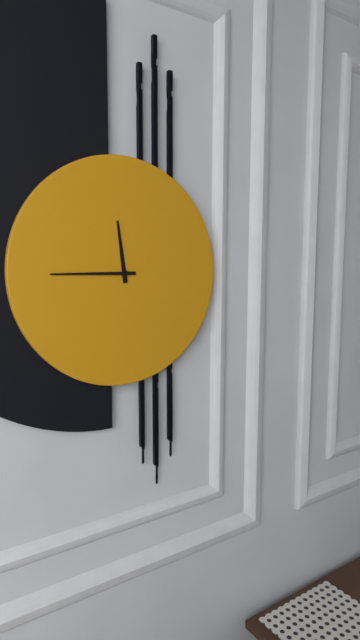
11:45
